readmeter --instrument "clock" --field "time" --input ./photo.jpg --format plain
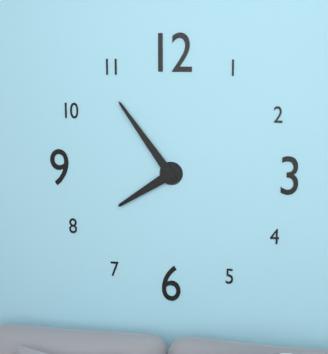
7:54
